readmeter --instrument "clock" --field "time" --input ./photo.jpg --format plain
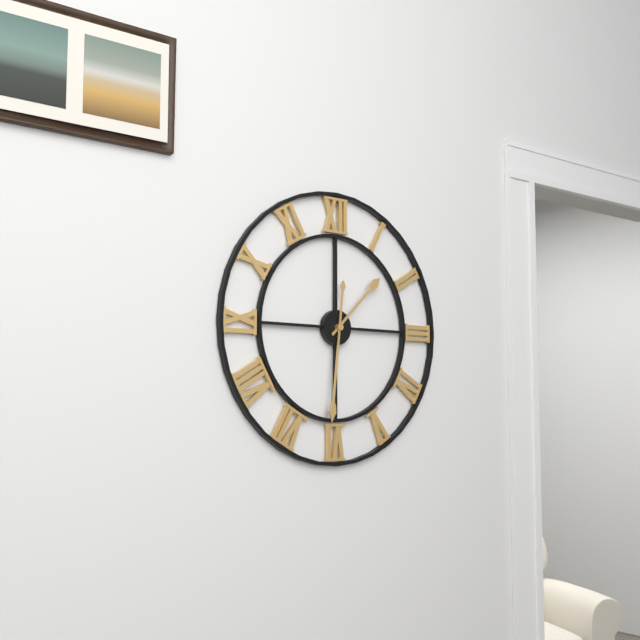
1:31
